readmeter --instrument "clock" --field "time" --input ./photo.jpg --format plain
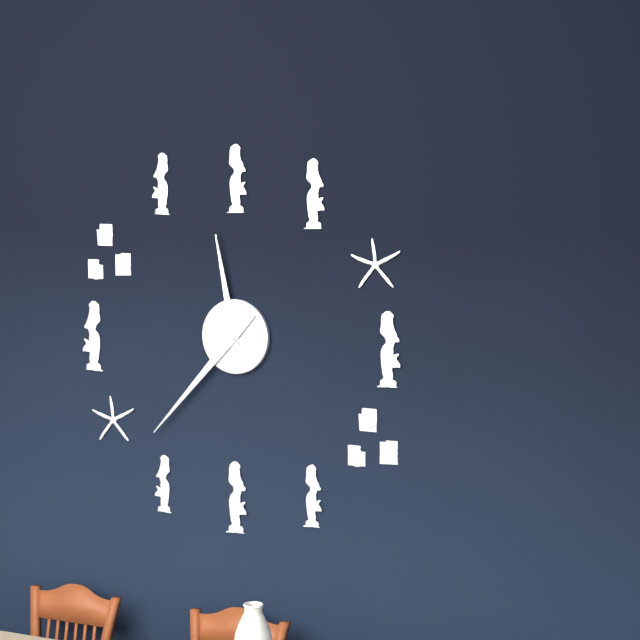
11:37
